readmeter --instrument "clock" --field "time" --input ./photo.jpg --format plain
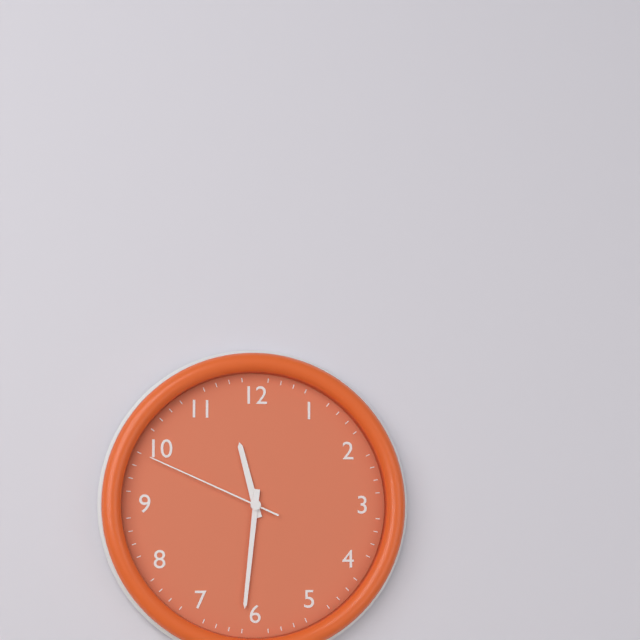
11:31:49
